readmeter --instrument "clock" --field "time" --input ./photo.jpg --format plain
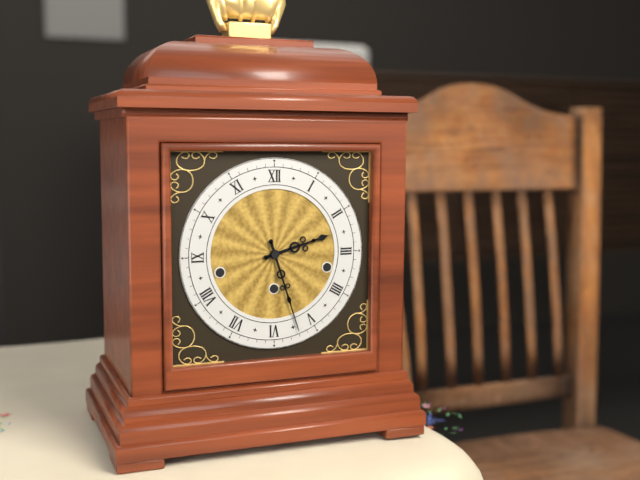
2:27
